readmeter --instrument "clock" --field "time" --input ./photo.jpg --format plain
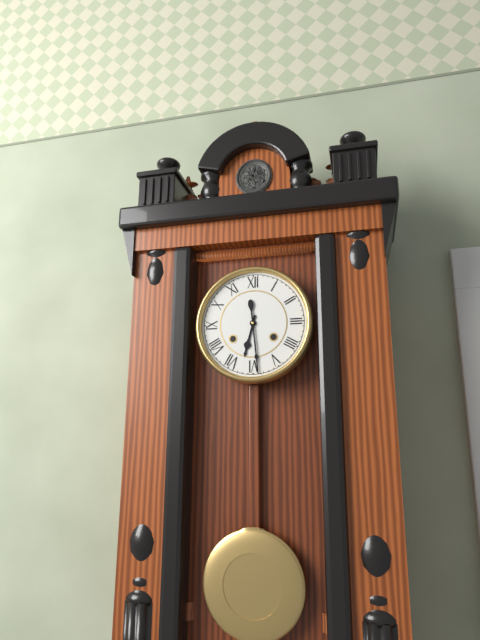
6:29
